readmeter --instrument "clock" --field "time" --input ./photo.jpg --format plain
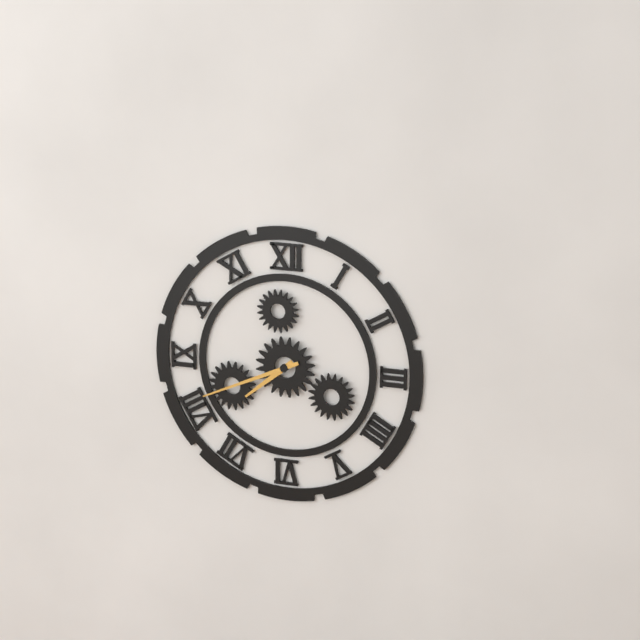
7:41
